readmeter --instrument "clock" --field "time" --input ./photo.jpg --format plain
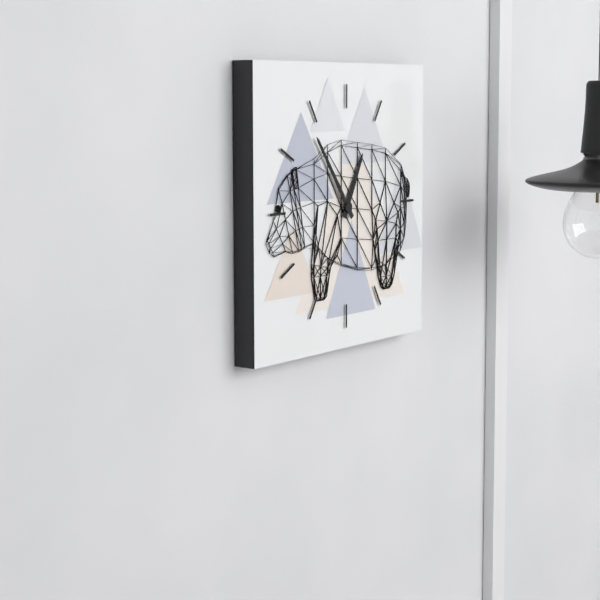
12:54
